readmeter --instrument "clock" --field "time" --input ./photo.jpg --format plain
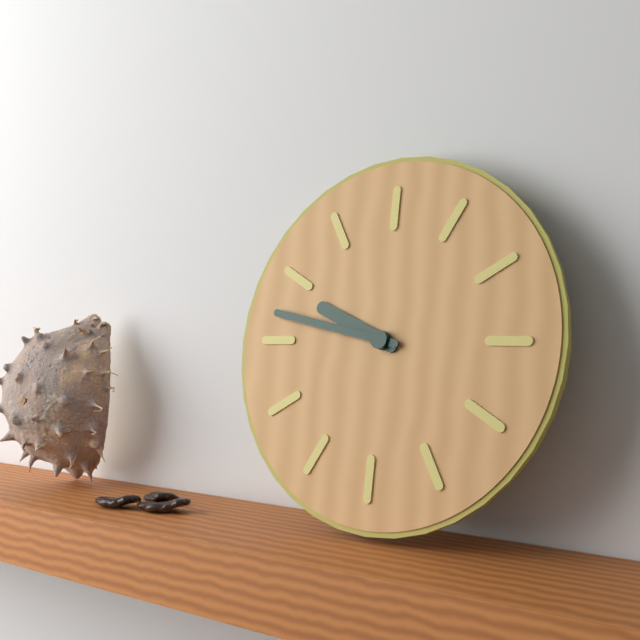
9:47
